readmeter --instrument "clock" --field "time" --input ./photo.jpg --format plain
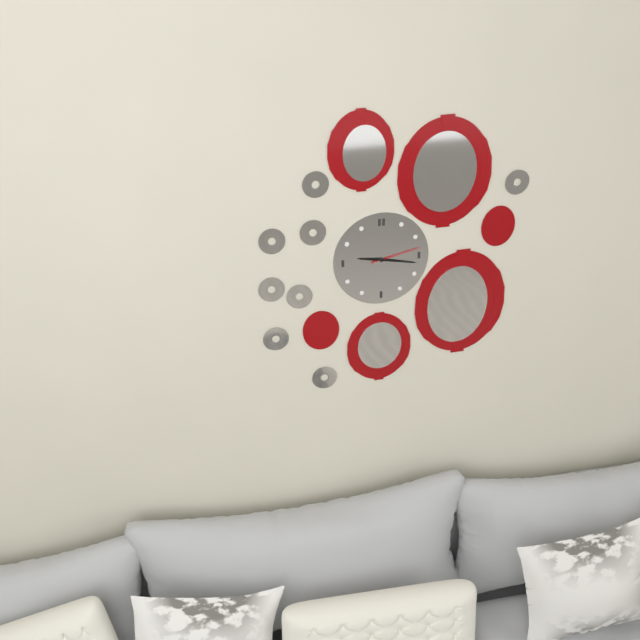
9:17:13
